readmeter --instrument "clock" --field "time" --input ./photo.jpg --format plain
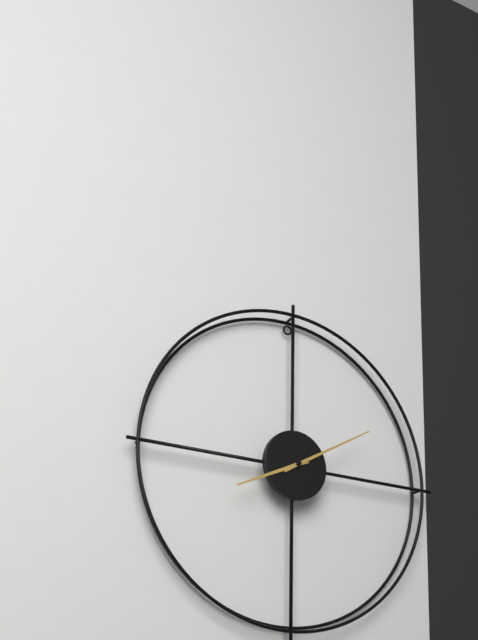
8:10
